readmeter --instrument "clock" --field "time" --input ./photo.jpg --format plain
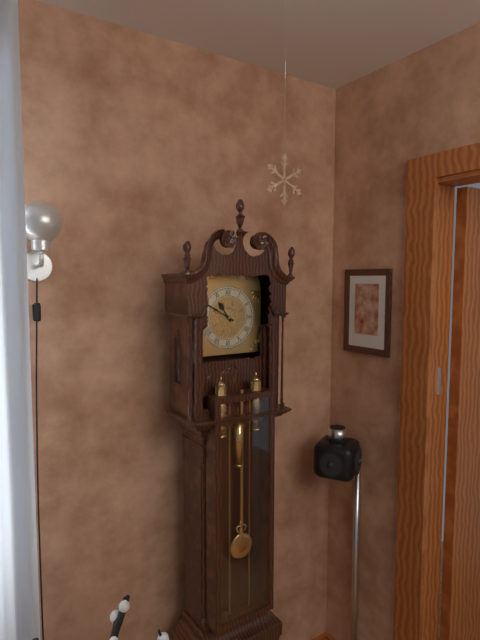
10:50
